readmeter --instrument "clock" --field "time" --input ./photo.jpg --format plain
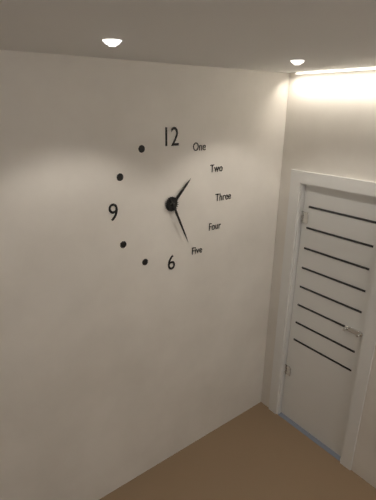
1:26
